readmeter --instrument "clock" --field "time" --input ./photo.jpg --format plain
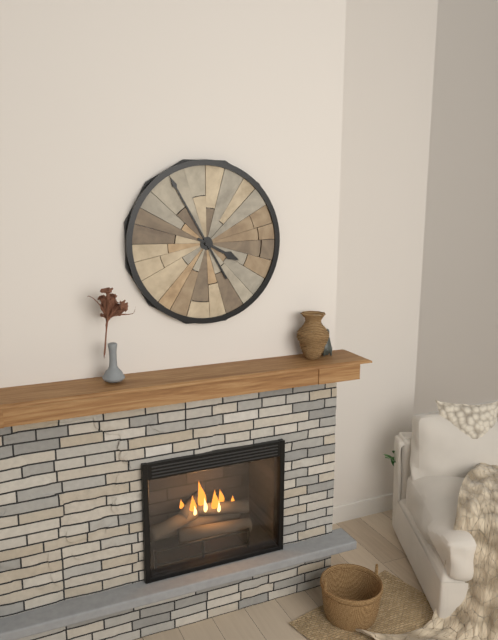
3:55
